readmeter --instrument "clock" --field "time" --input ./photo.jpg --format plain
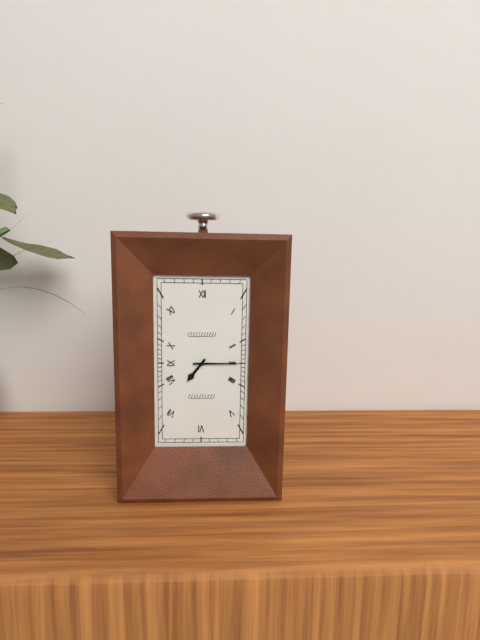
7:15
